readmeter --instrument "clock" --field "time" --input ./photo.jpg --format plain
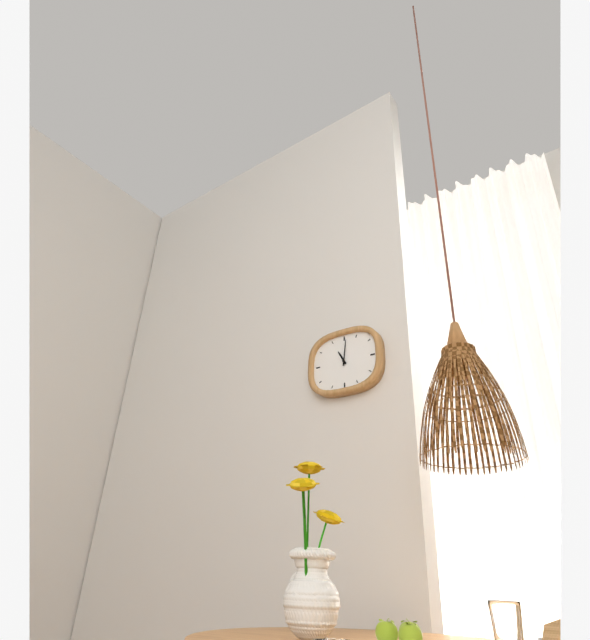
11:01
